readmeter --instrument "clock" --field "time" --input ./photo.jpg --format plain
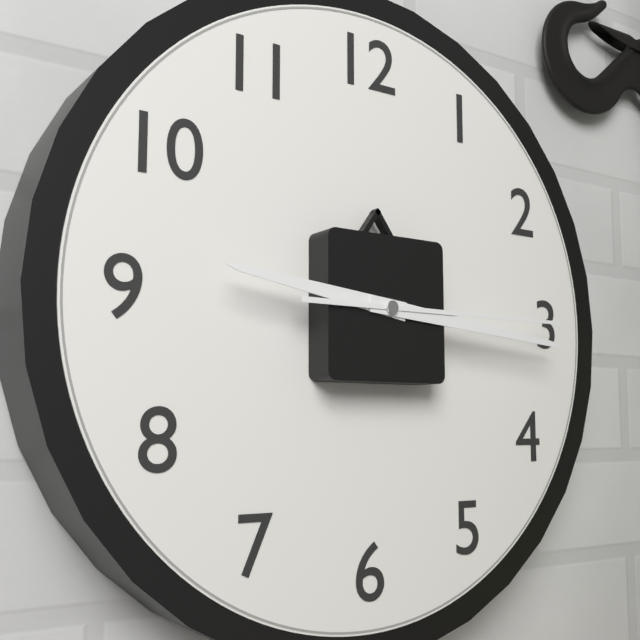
9:16:15
